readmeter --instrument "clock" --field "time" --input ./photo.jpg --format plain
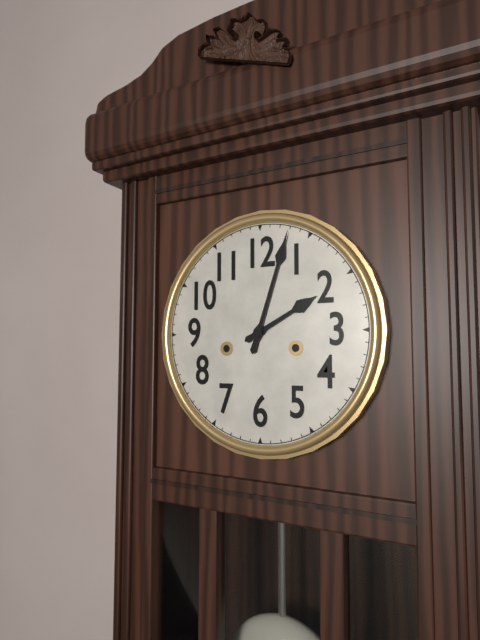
2:03
